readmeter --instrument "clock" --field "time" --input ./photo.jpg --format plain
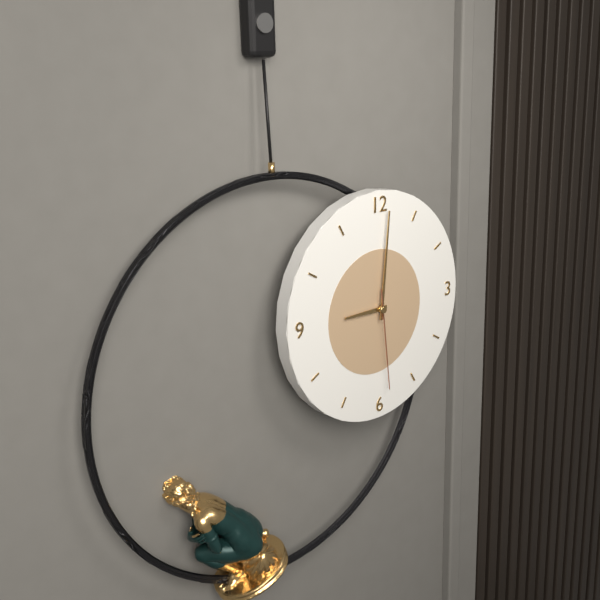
9:01:29
